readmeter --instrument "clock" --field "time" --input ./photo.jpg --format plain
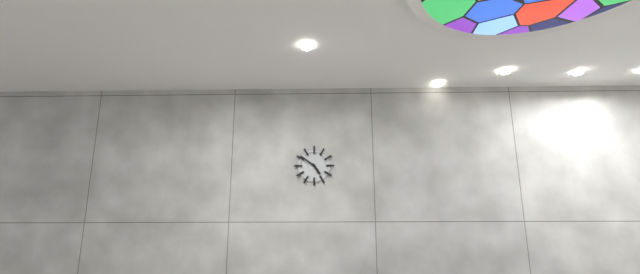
4:51
